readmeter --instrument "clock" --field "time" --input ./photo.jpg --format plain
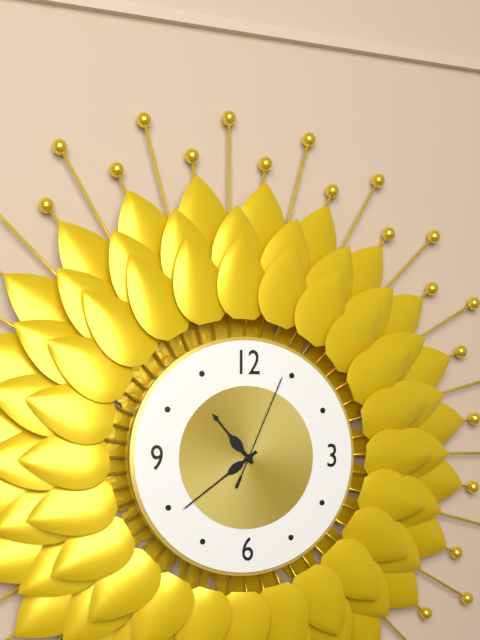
10:39:04
